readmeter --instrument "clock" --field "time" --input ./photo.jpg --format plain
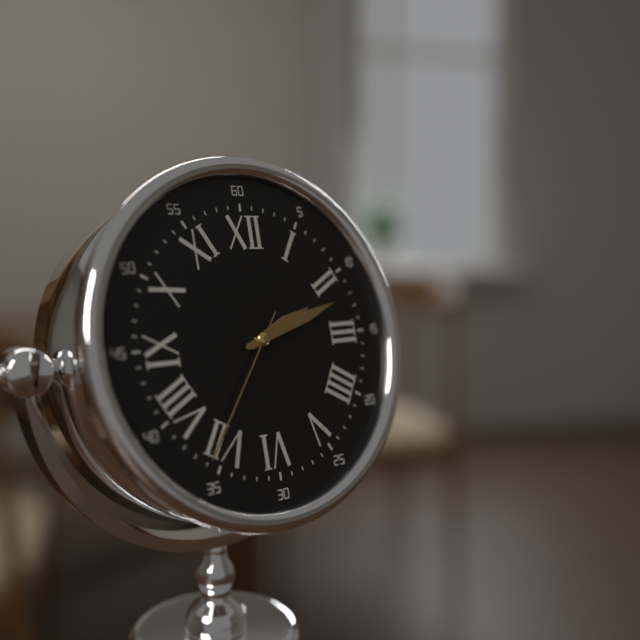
2:12:36
